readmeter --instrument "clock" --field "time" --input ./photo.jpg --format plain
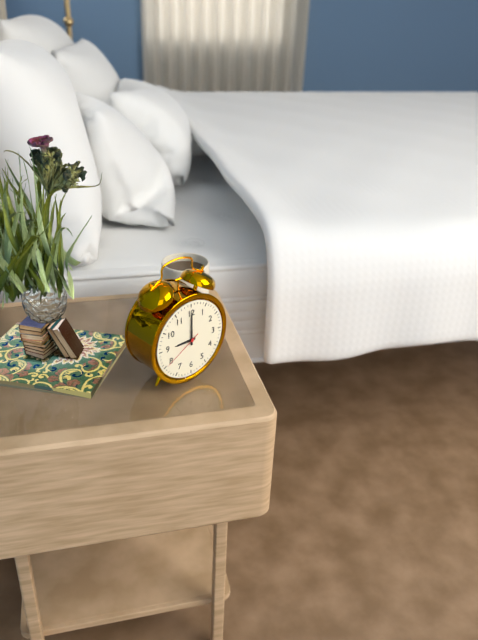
9:00
